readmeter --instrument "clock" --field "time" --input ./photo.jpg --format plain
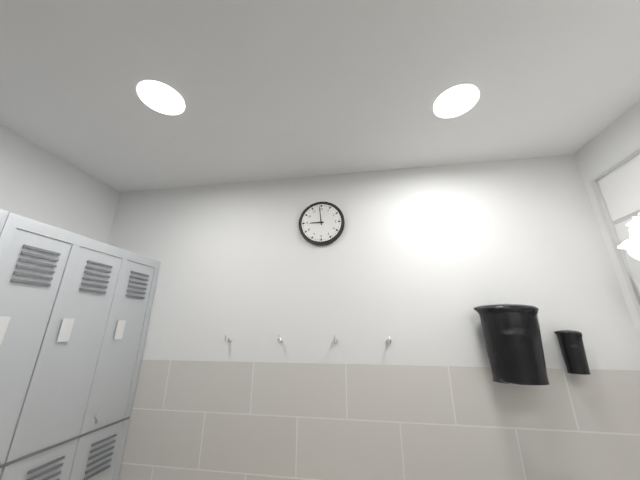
8:59
